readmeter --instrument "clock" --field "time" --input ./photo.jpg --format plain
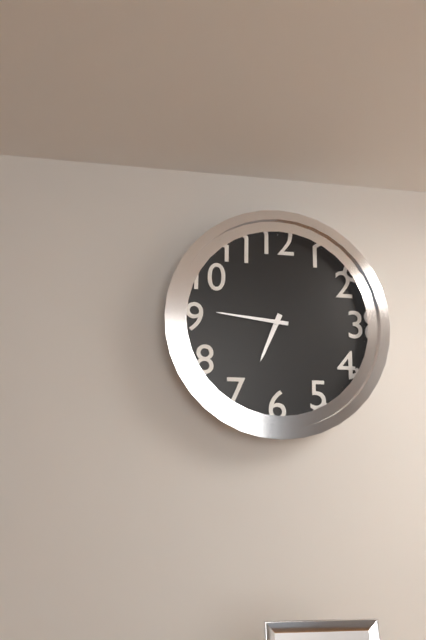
6:46
